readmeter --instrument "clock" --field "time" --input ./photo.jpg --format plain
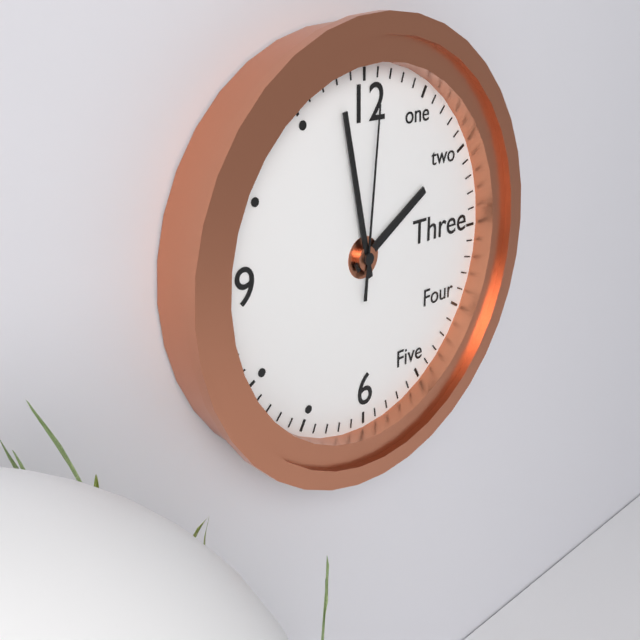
1:58:01
